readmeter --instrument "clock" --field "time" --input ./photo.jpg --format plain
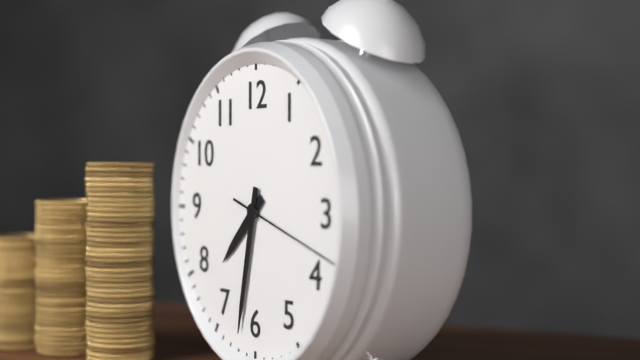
7:32:18
